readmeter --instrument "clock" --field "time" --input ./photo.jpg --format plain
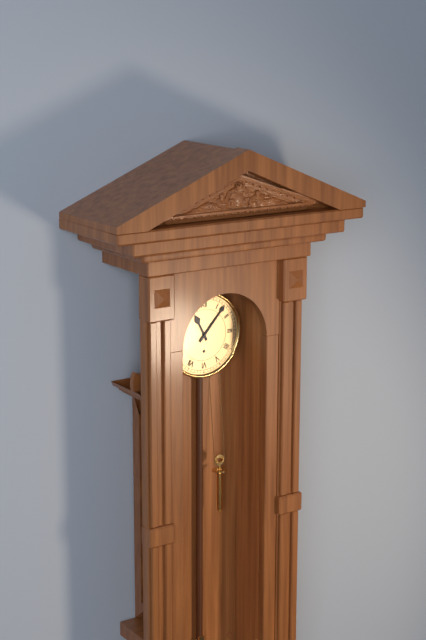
11:07
